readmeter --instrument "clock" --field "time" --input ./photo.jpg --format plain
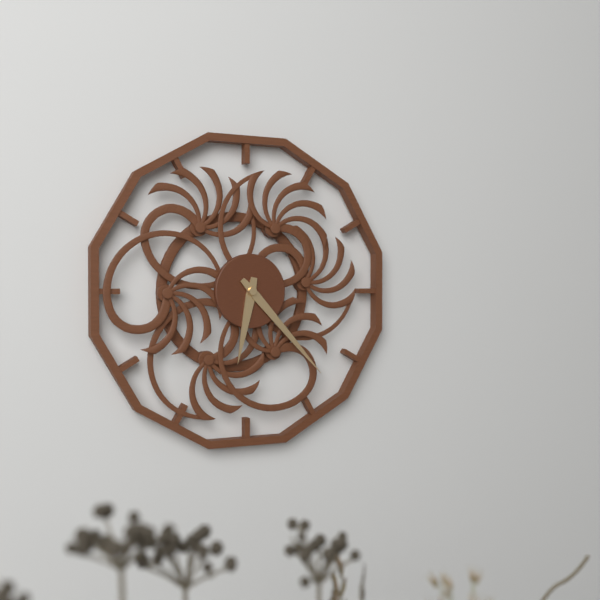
6:23
